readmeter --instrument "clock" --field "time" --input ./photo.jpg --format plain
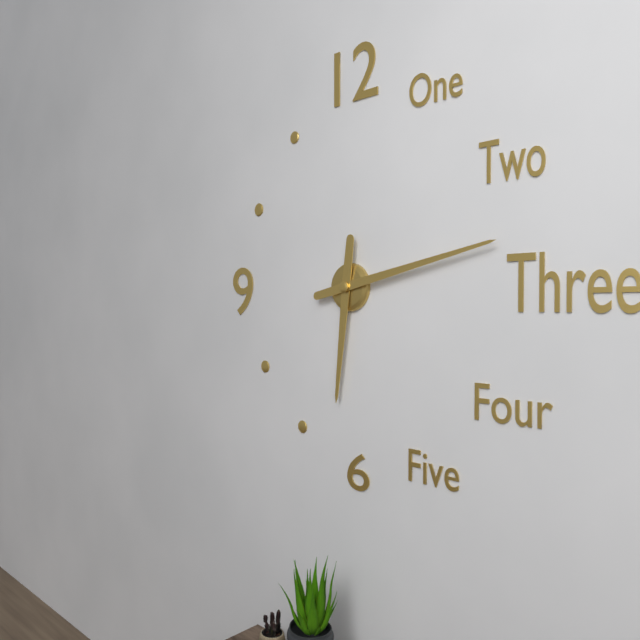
6:13
